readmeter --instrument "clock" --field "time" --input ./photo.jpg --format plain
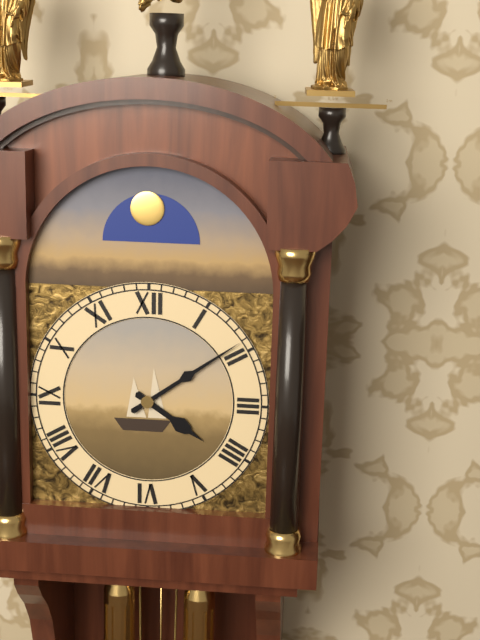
4:09
